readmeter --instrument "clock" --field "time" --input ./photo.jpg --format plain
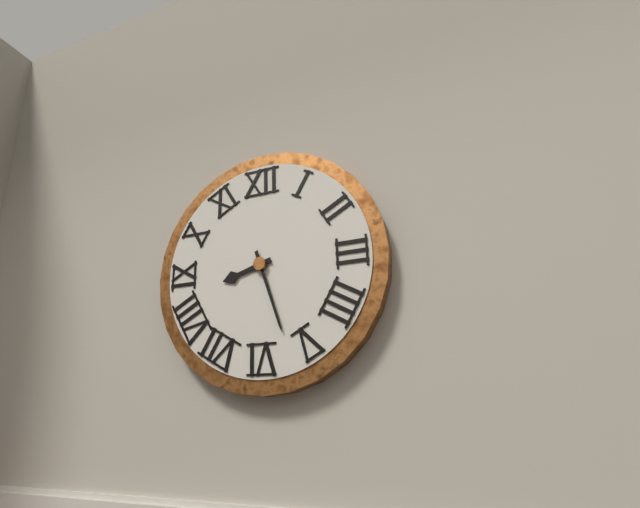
8:27
